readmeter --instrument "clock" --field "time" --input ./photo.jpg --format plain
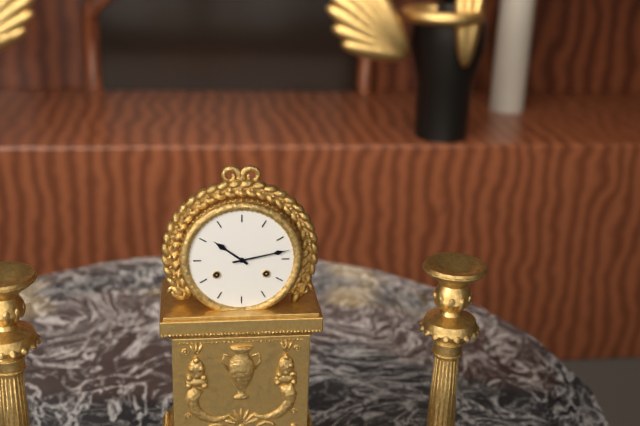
10:13
